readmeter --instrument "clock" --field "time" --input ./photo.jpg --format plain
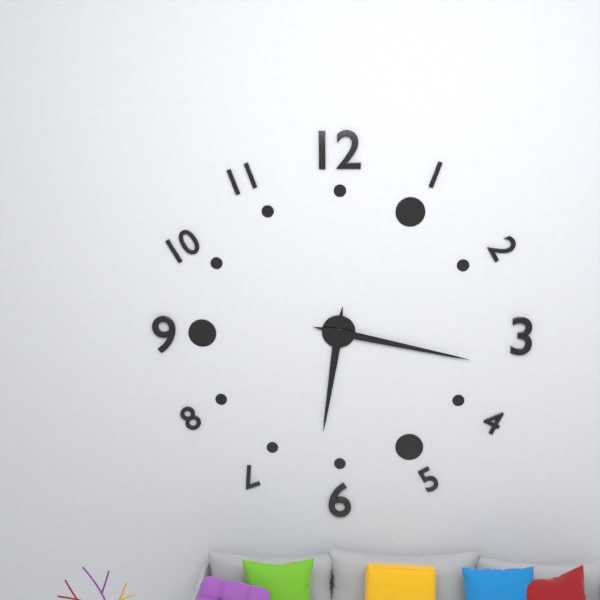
6:17
